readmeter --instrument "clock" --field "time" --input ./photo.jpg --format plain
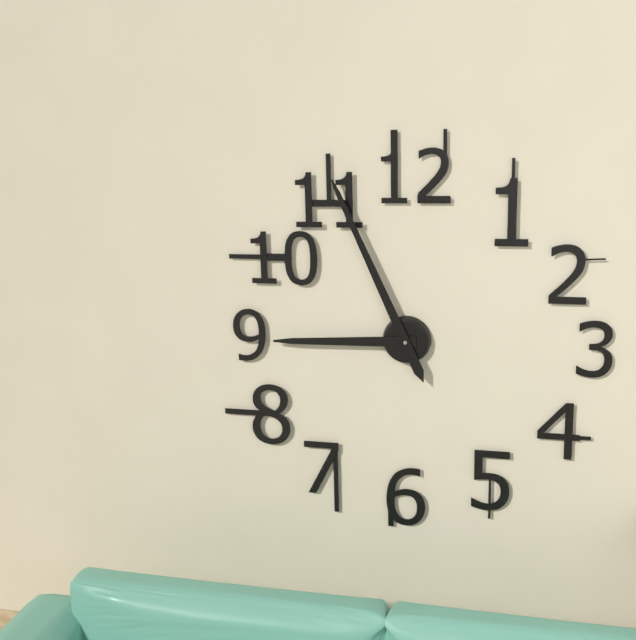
8:56
